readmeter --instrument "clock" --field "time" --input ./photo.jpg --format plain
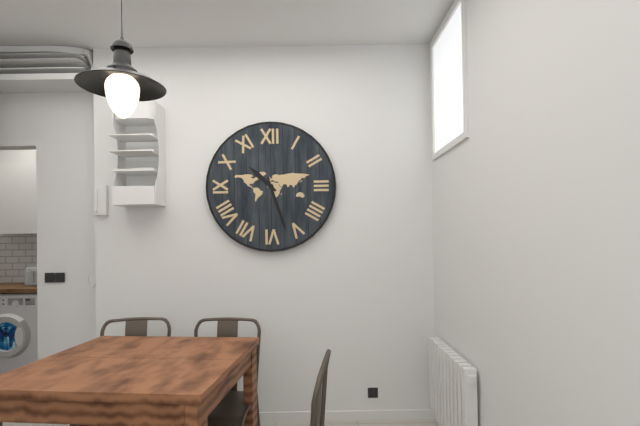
10:27
